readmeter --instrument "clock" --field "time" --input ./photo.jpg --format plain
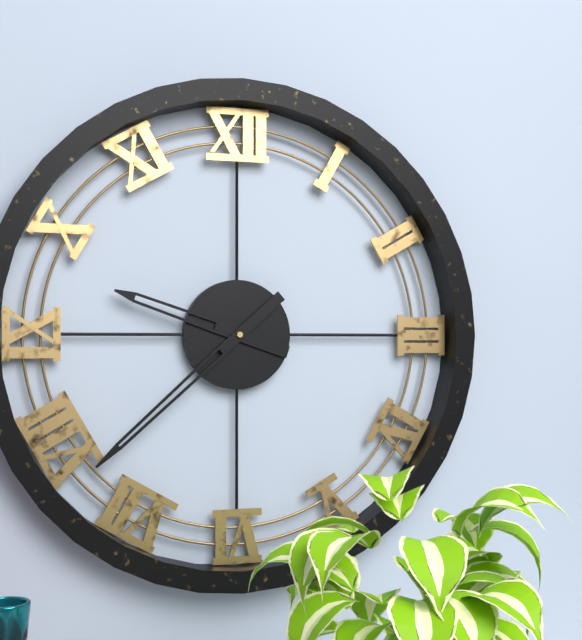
9:38
